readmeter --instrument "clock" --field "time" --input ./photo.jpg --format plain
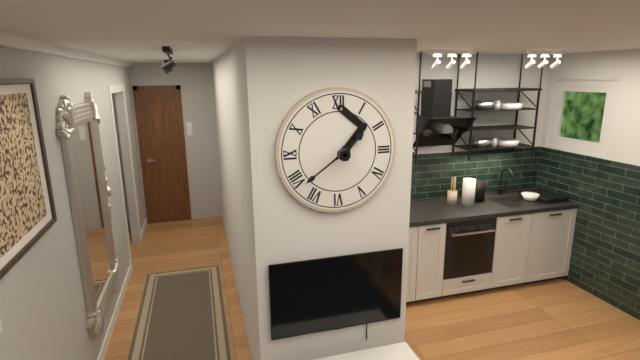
1:39
